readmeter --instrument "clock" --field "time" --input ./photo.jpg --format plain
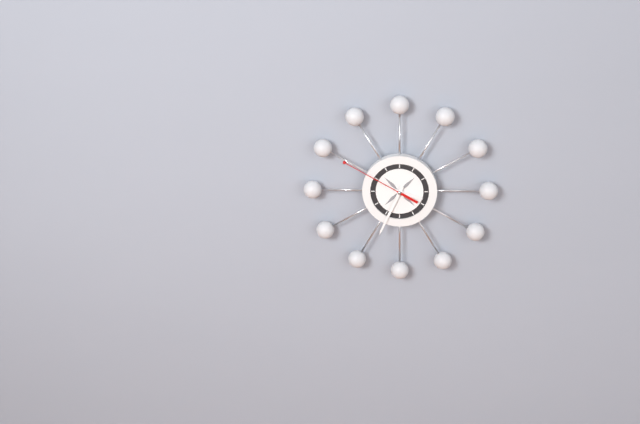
3:34:50
